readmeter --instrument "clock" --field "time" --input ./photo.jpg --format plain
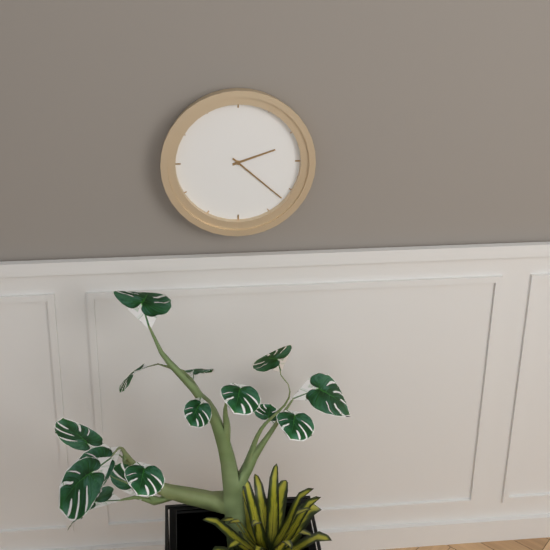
2:22
